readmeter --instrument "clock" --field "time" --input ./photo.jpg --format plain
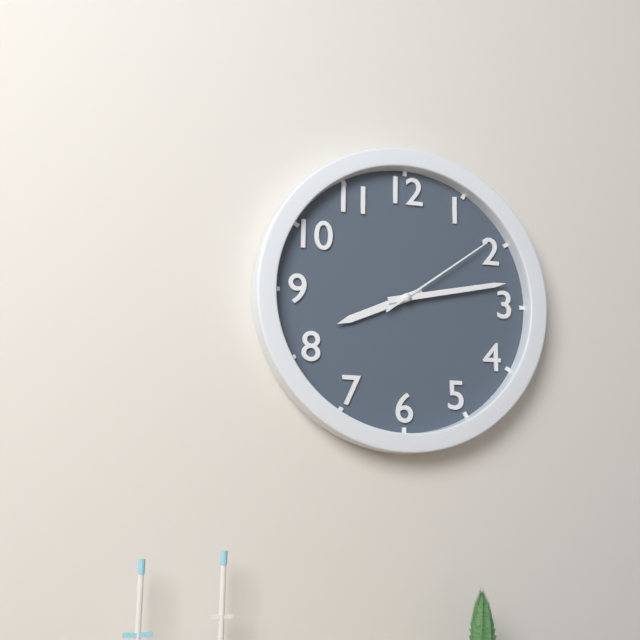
8:13:09
